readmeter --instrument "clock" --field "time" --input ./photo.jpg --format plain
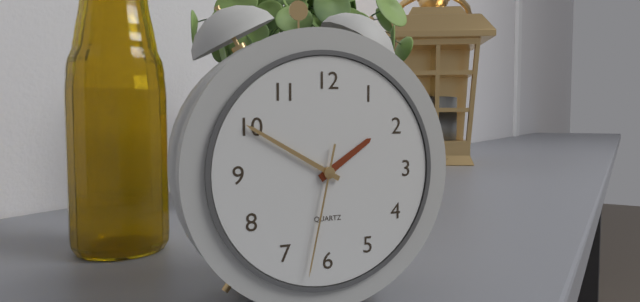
1:50:32
